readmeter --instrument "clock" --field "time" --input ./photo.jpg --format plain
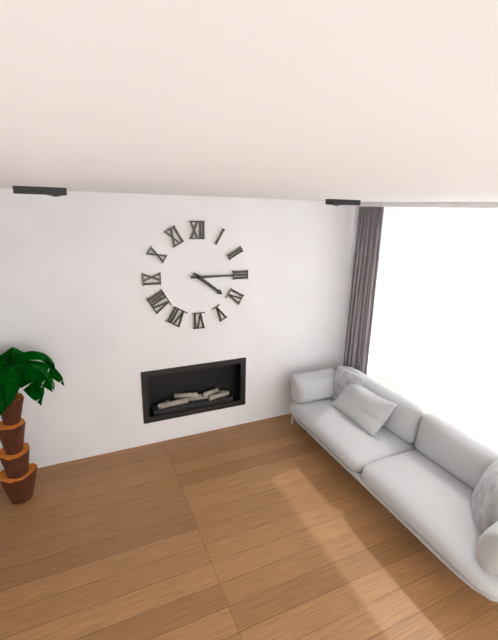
4:15
